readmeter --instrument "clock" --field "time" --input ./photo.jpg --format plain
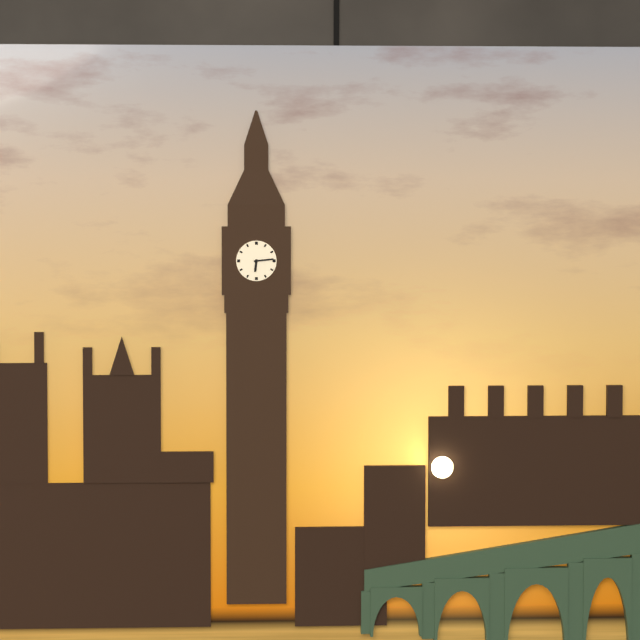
6:14
